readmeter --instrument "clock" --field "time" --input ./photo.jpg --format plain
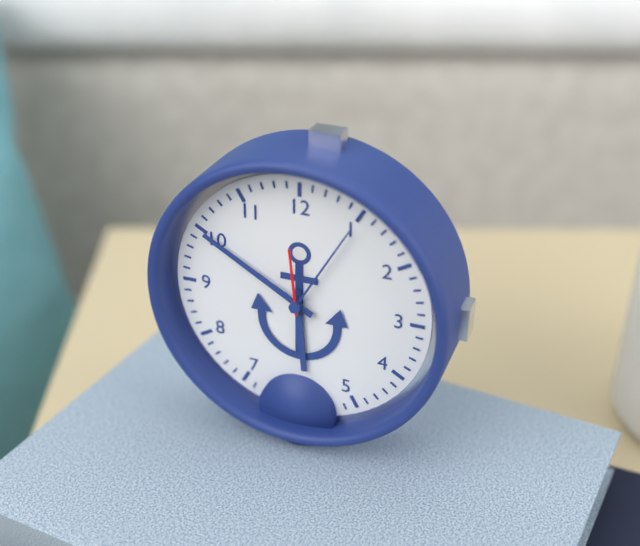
5:50:59
